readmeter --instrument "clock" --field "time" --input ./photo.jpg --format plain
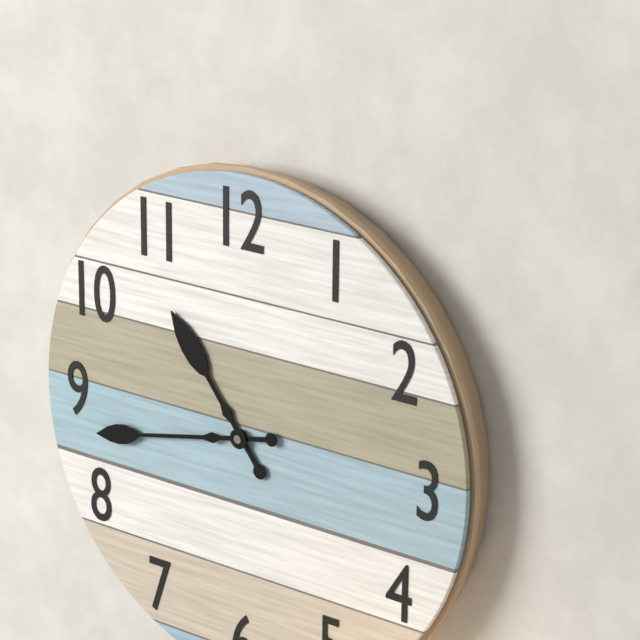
10:43
